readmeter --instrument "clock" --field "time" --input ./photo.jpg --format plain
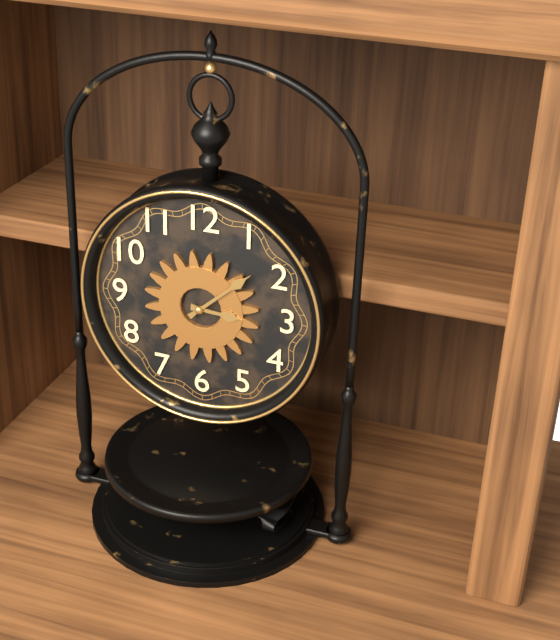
3:08
